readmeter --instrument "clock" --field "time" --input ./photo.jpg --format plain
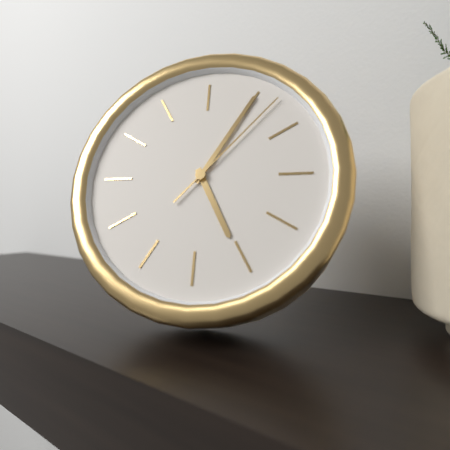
5:05:07
